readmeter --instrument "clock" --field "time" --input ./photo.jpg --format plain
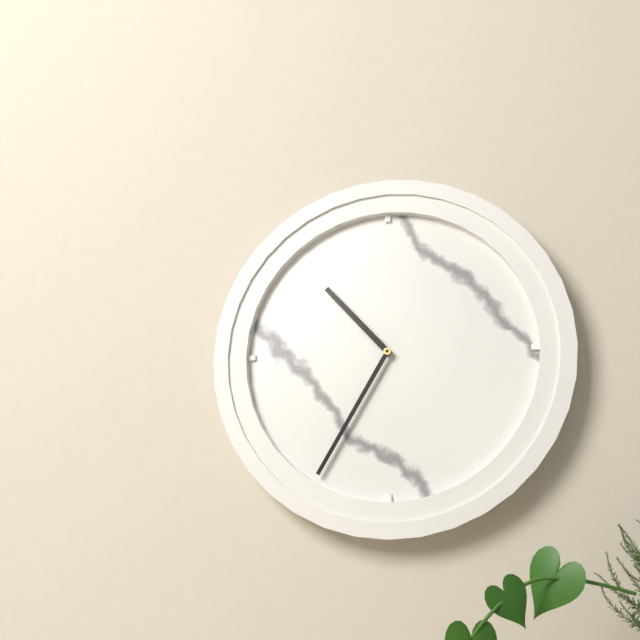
10:35
